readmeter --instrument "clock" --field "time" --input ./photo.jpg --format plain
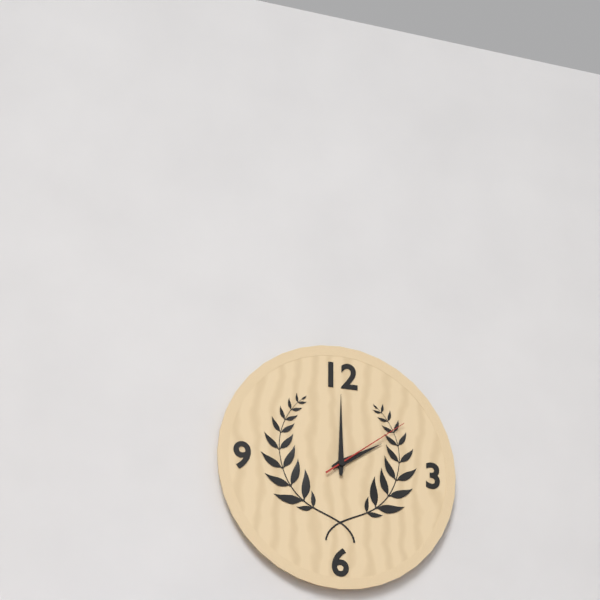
2:00:09
